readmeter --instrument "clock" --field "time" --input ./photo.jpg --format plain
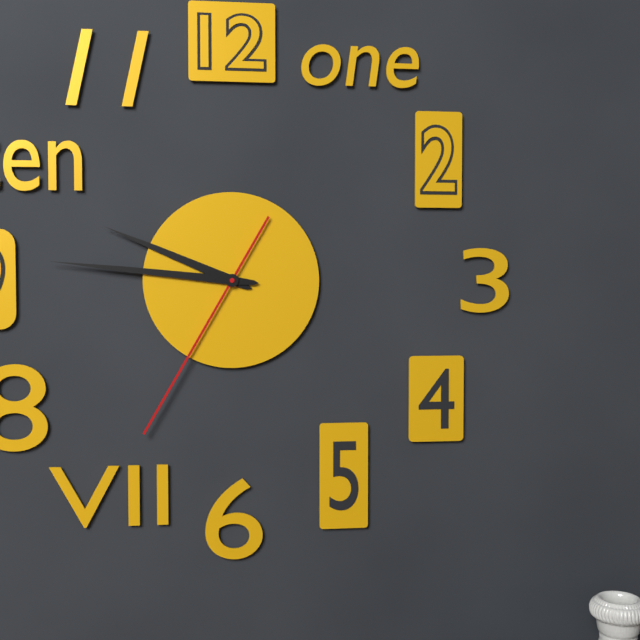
9:46:35
